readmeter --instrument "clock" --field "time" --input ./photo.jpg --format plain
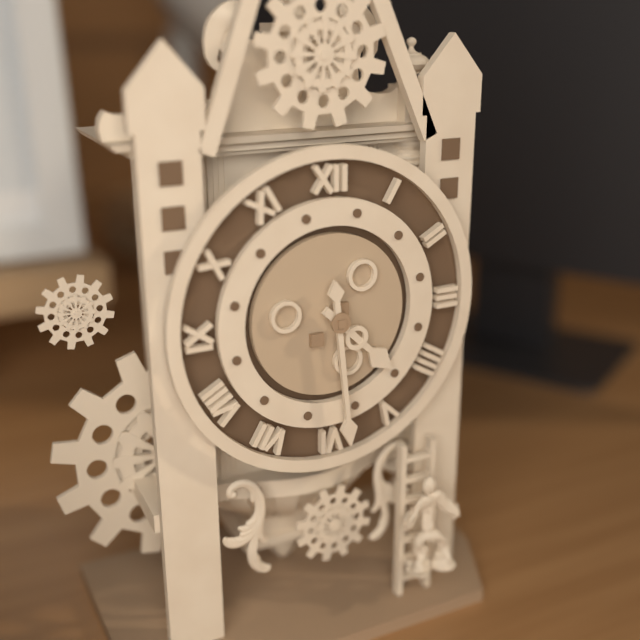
4:29
